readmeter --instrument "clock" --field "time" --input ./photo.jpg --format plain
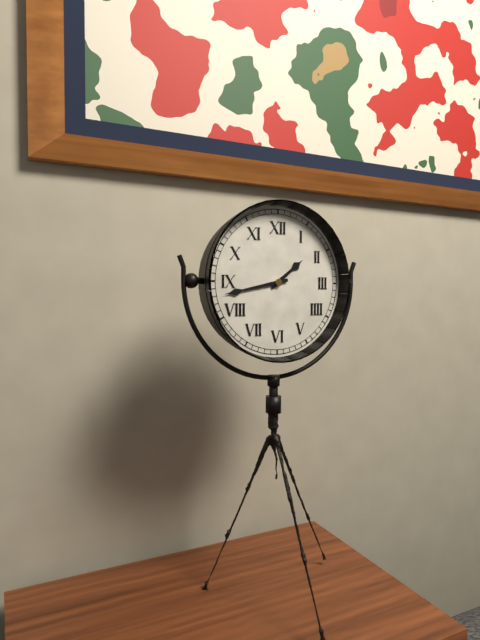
1:43
